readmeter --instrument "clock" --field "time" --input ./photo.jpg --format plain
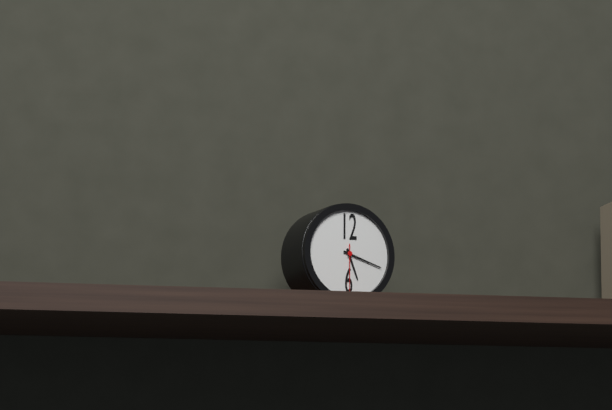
5:18
